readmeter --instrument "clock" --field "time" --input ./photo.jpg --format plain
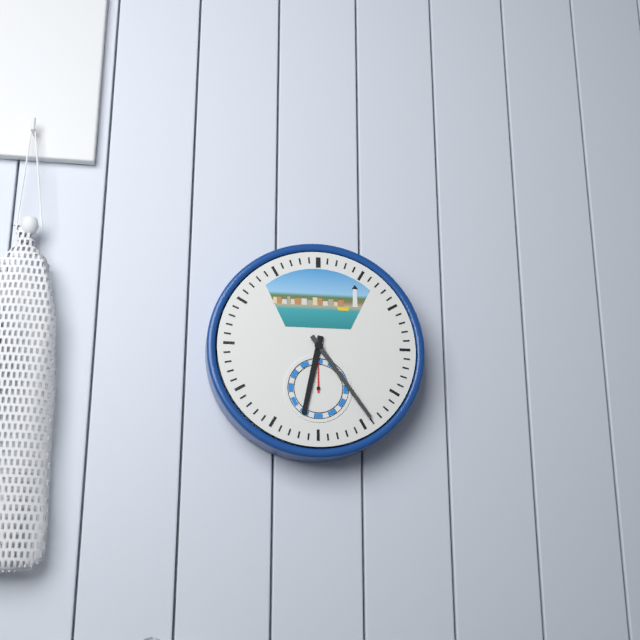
6:24
